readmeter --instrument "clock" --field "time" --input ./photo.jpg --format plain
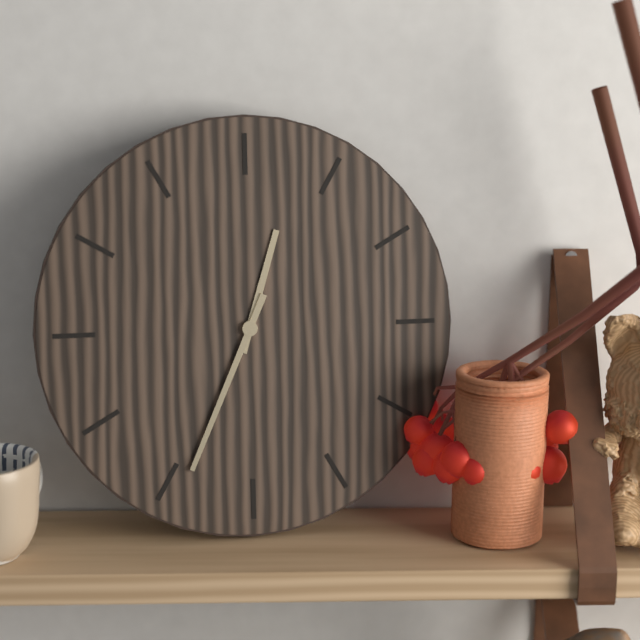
12:34
